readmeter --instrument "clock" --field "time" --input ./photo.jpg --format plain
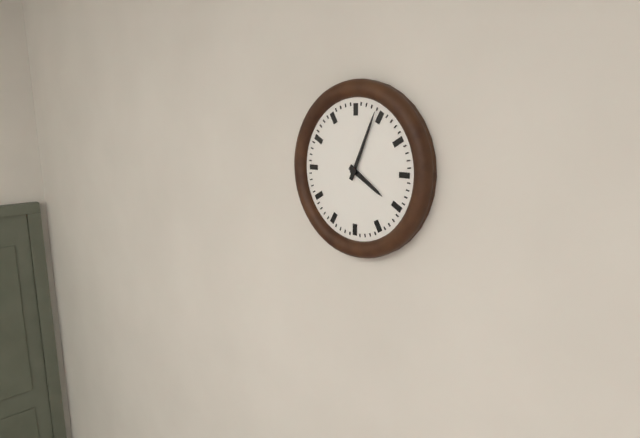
4:04
